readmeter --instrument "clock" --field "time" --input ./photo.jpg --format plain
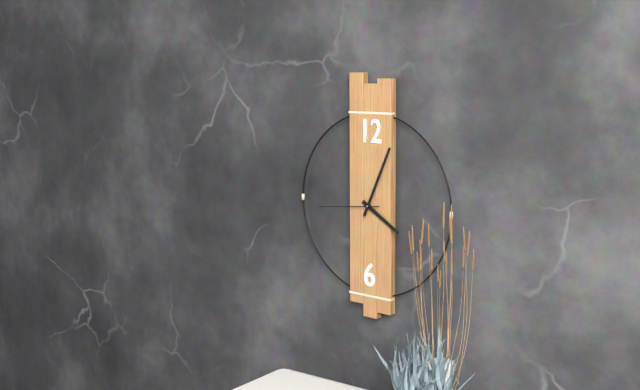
4:04:44
